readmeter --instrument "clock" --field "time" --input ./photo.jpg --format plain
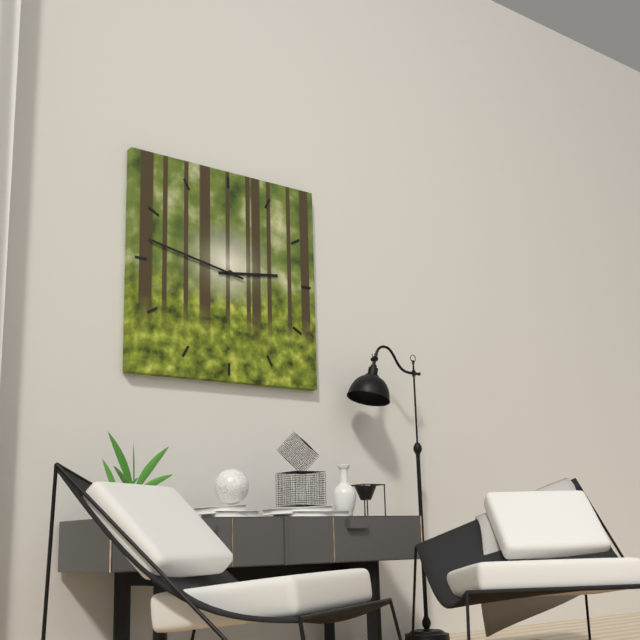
2:47
